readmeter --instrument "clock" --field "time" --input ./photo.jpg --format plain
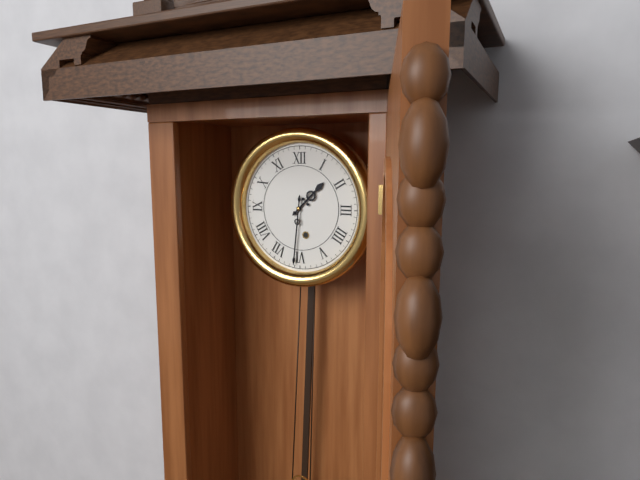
1:31
